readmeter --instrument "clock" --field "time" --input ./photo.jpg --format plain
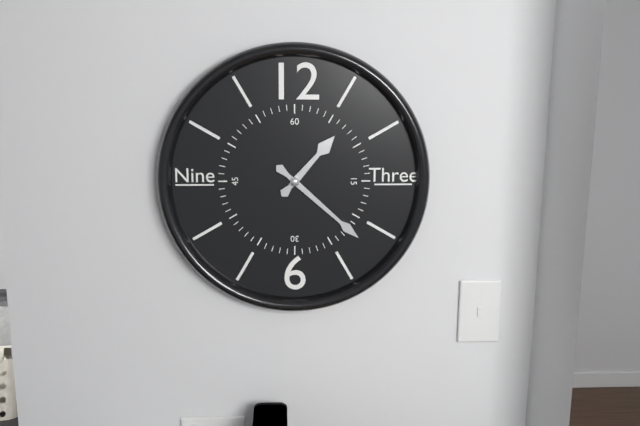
1:22
